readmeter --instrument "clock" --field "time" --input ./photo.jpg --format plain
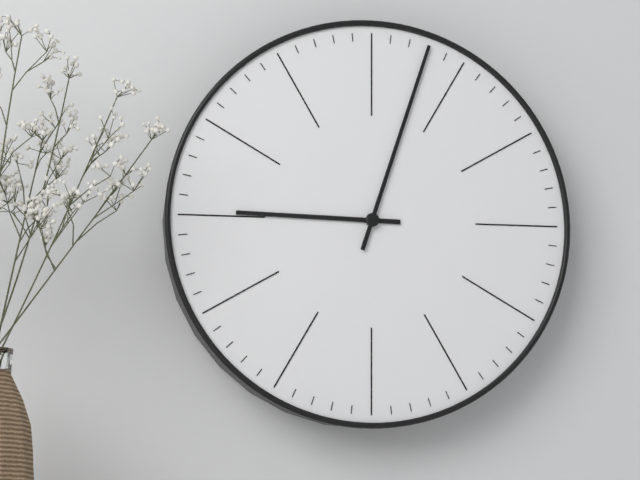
9:03
